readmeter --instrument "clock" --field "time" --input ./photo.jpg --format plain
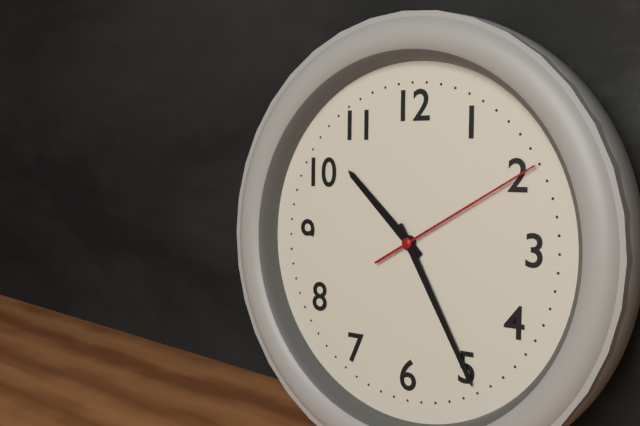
10:25:10
